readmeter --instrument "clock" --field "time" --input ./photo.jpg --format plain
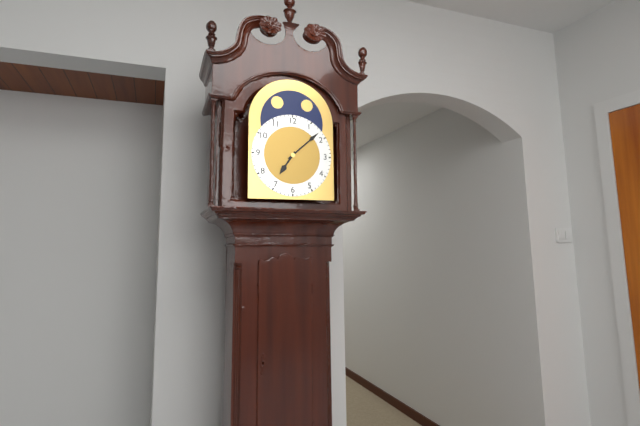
7:08
